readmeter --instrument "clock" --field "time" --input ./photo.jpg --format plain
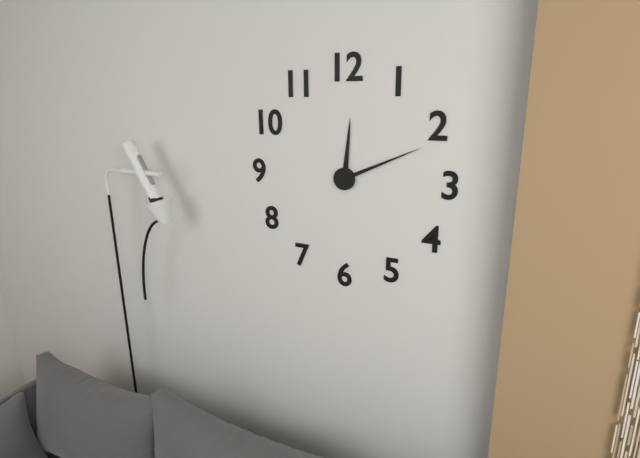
12:11
